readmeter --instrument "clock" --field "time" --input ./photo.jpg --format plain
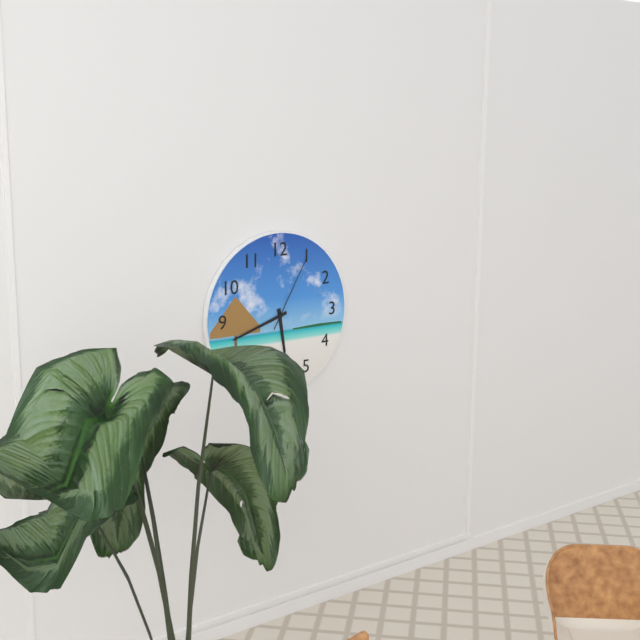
5:42:05
